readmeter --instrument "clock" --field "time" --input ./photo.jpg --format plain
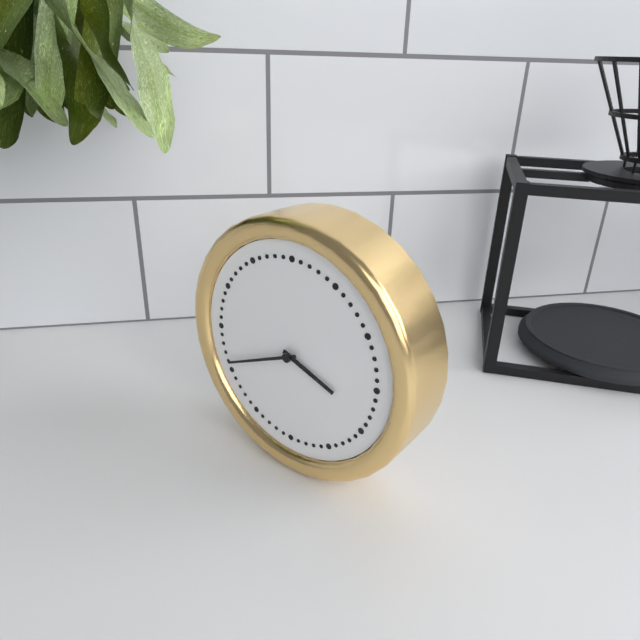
3:41
